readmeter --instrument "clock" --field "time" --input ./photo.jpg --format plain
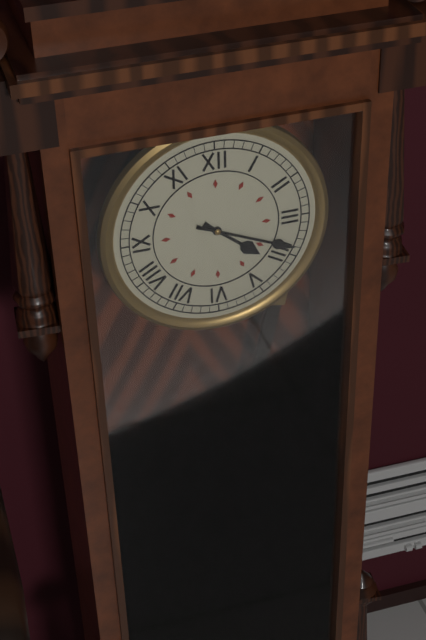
4:19
